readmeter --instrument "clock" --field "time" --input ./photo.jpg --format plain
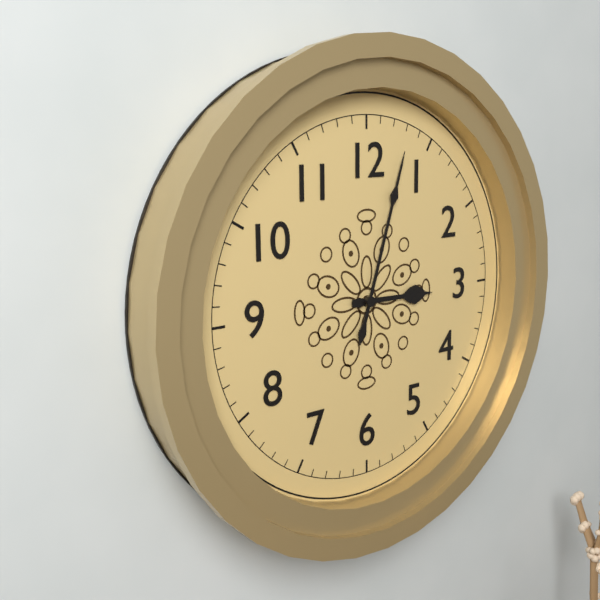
3:03
